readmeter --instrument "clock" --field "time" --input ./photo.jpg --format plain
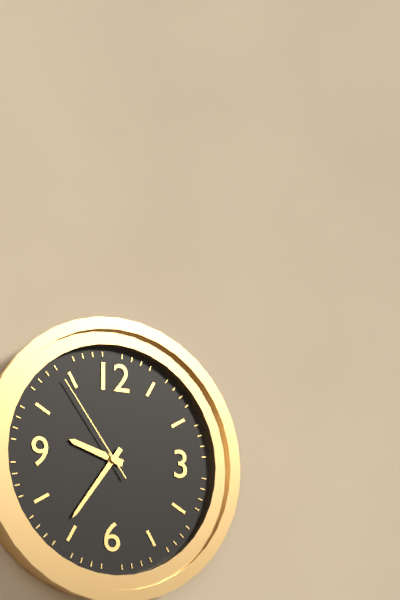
9:36:54
